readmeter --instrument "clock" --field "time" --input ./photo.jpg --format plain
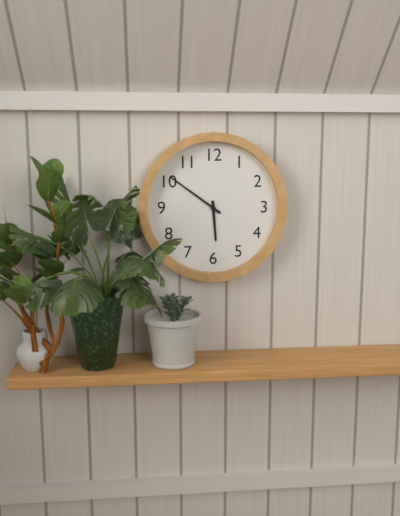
5:51
